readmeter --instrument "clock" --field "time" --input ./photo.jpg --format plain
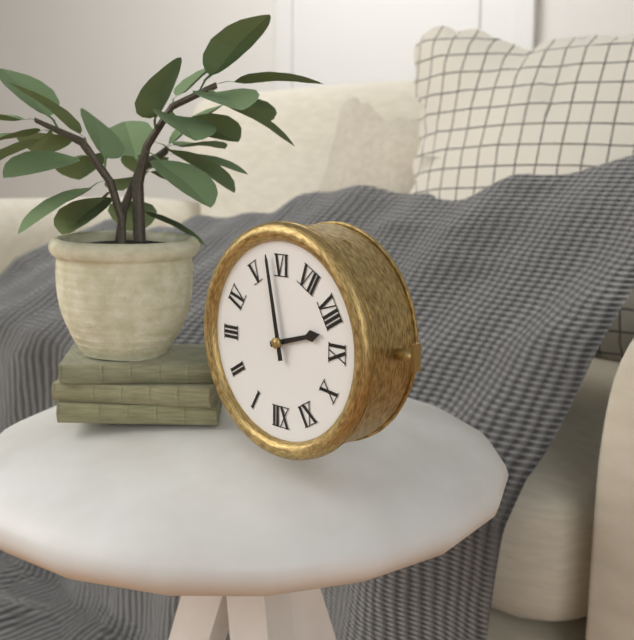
8:28
